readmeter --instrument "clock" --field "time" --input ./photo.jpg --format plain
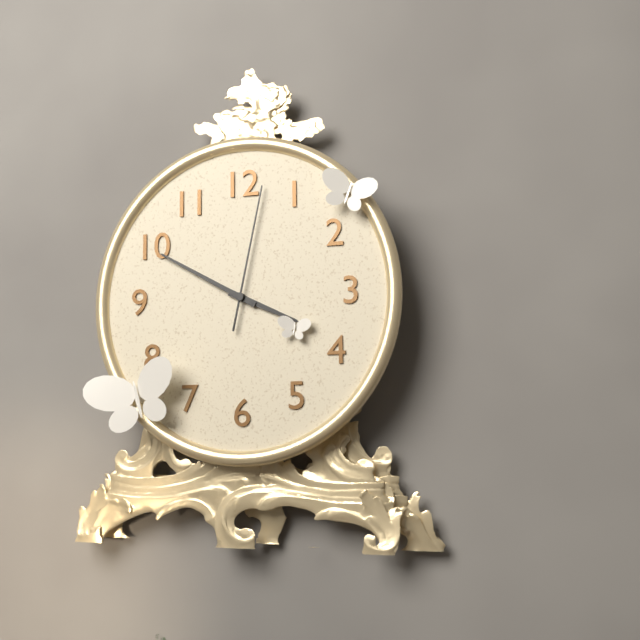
3:50:02
